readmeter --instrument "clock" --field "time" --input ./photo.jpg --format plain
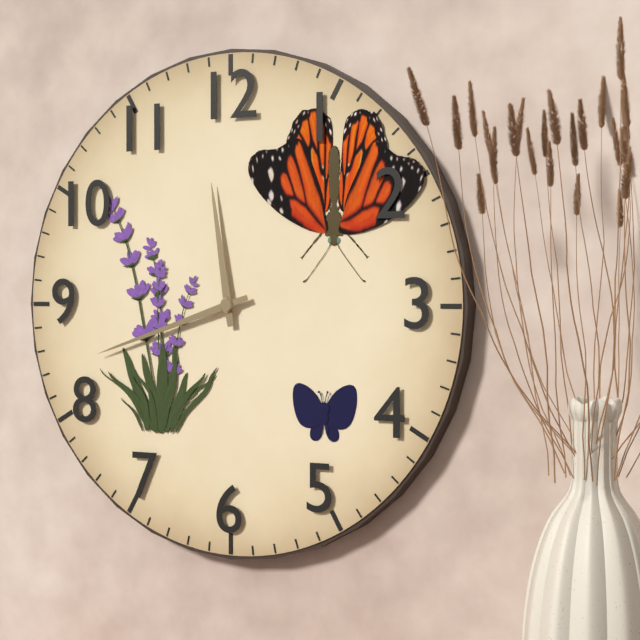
11:42
